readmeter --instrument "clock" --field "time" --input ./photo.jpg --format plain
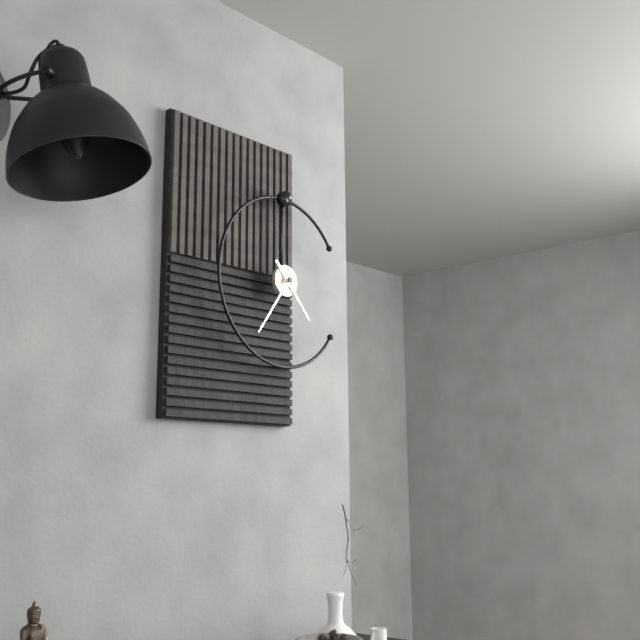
4:36
